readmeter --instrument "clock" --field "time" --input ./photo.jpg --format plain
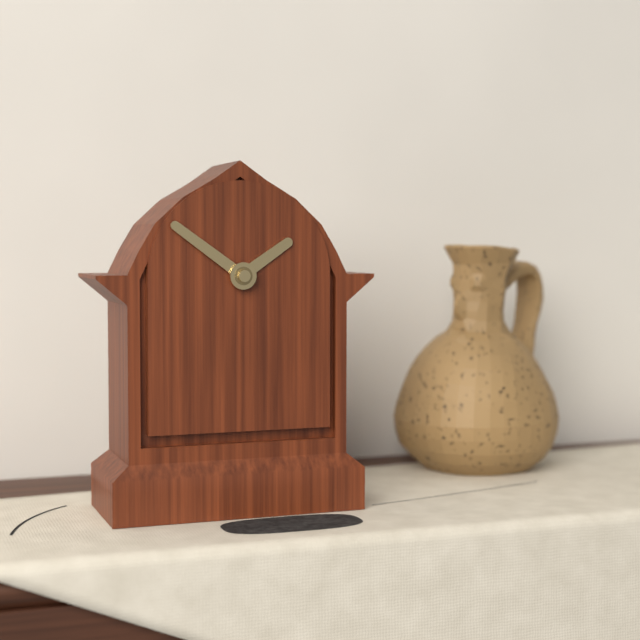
1:51
